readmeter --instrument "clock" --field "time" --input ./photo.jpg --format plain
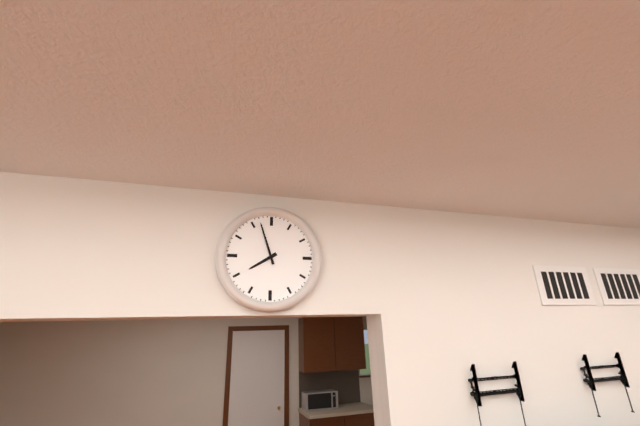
7:57
